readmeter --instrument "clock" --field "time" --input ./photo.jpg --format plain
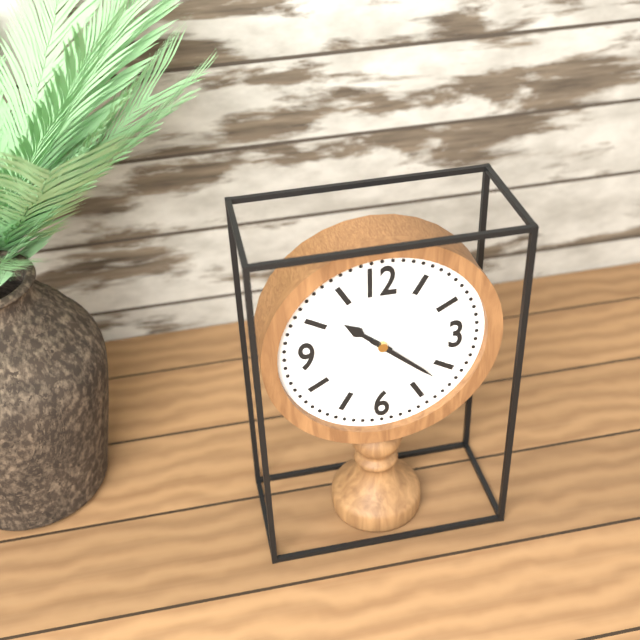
10:22
